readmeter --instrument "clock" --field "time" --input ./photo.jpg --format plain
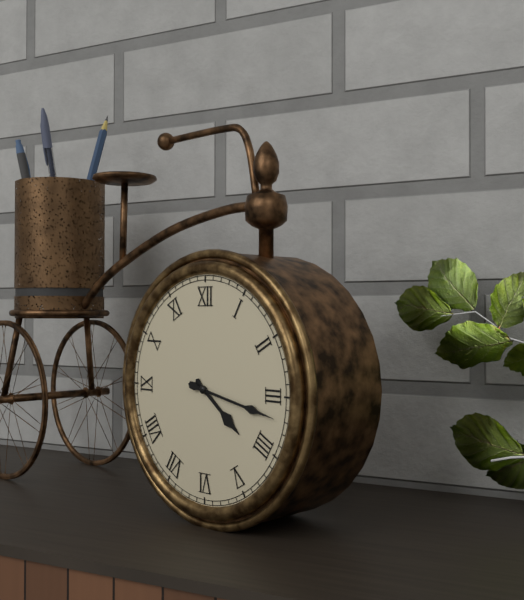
4:17
